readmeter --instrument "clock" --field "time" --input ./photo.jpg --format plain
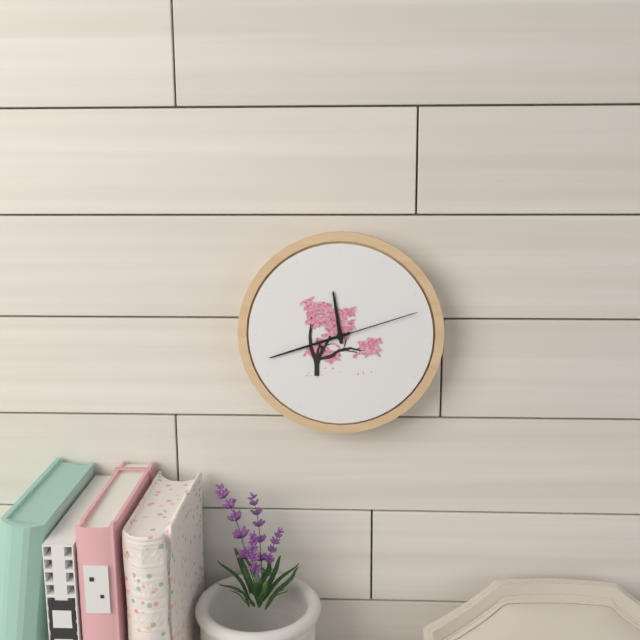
11:42:12
